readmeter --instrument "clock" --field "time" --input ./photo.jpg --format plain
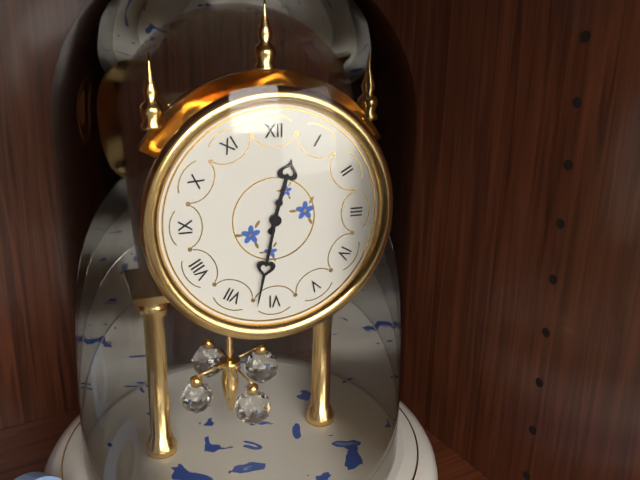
12:32
